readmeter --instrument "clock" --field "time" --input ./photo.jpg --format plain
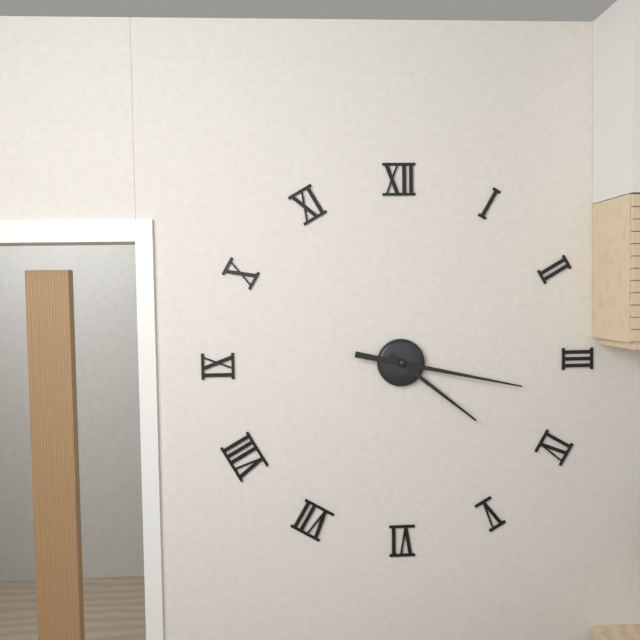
4:17
